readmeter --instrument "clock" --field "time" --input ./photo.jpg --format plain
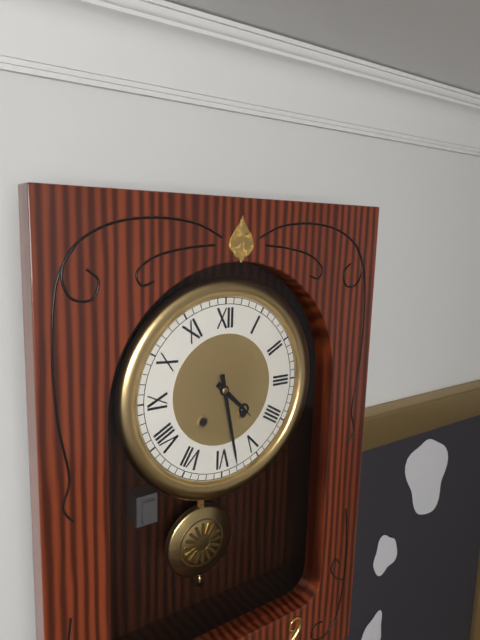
4:28
